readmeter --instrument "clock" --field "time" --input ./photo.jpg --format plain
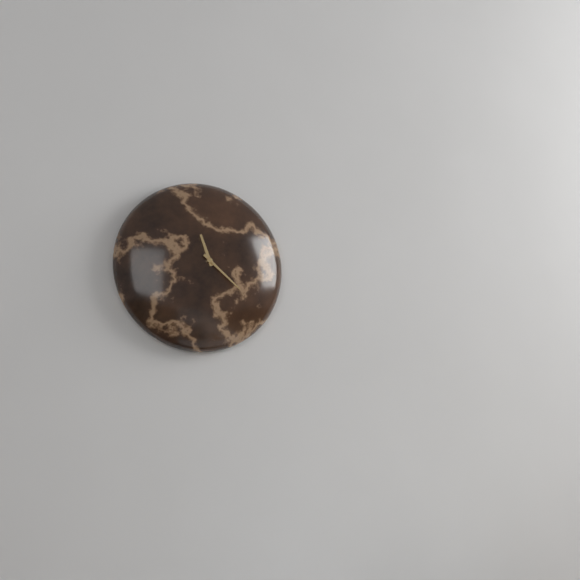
11:22
